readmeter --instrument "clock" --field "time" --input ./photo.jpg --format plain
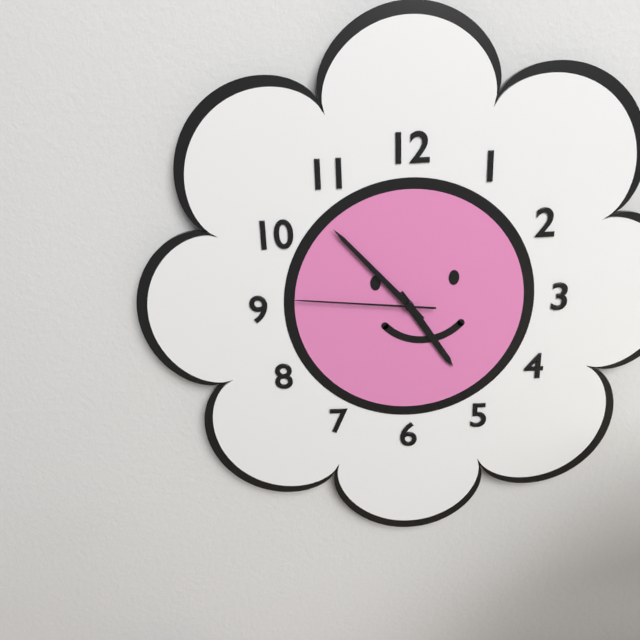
4:53:46
